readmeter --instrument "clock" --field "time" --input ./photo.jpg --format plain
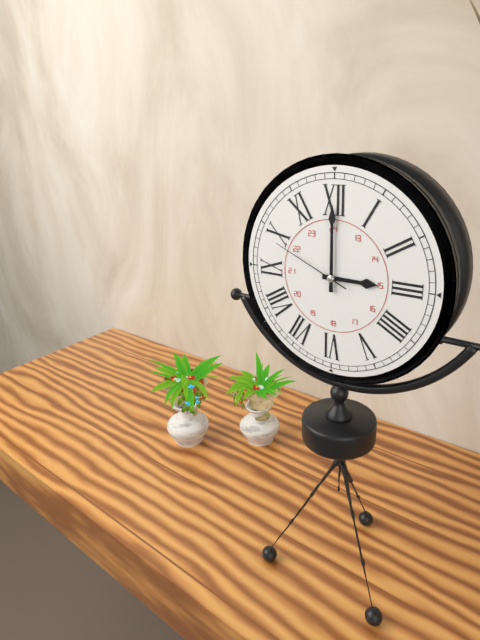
3:00:49
